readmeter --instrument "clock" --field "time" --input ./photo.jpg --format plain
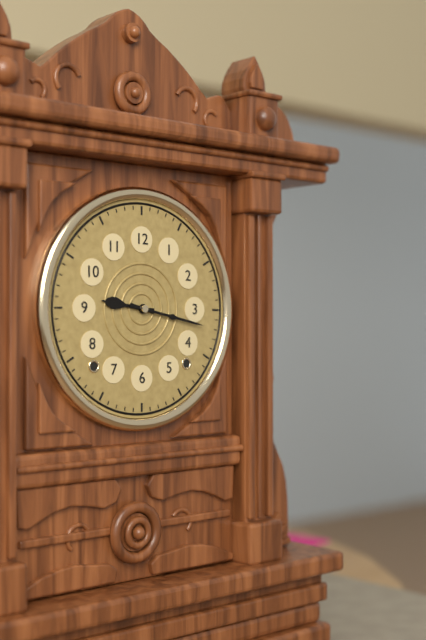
9:17
